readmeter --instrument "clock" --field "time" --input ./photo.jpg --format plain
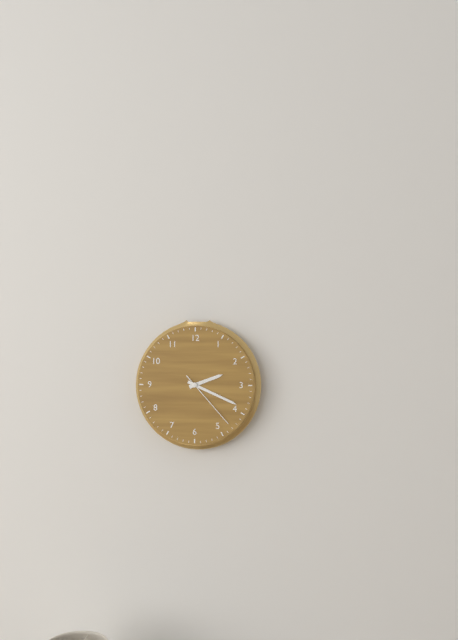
2:19:23
